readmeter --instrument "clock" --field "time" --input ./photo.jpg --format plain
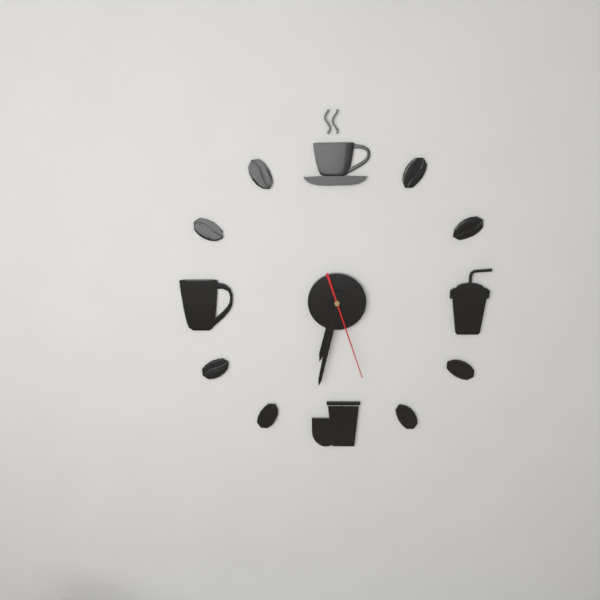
6:32:27
